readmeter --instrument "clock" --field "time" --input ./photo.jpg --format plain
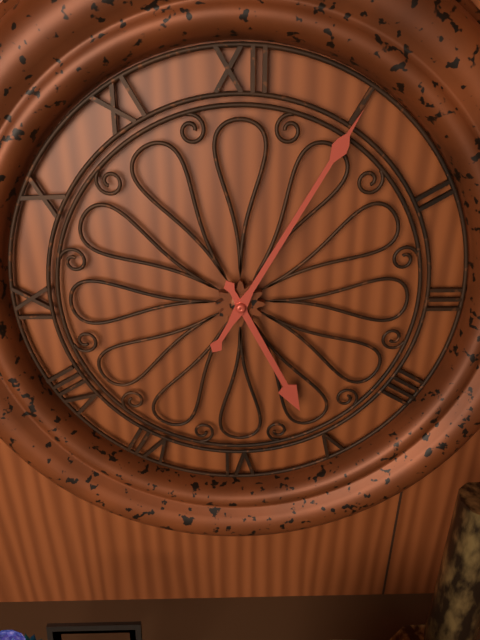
5:05
